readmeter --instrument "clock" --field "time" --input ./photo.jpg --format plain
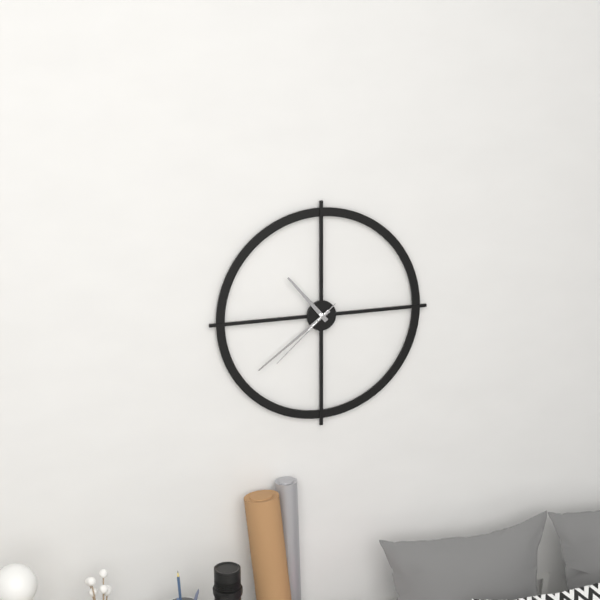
10:39:38
